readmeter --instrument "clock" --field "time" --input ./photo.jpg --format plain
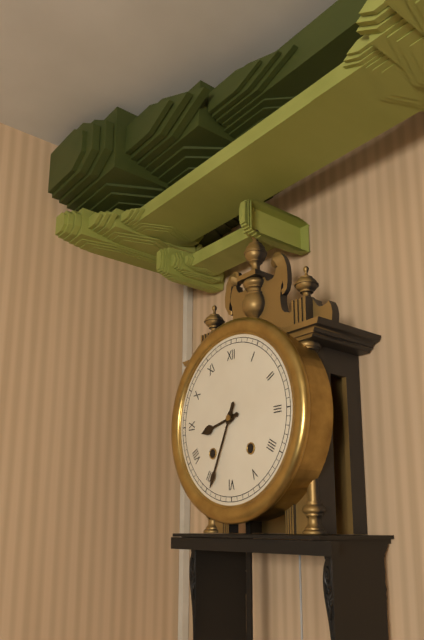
8:34
